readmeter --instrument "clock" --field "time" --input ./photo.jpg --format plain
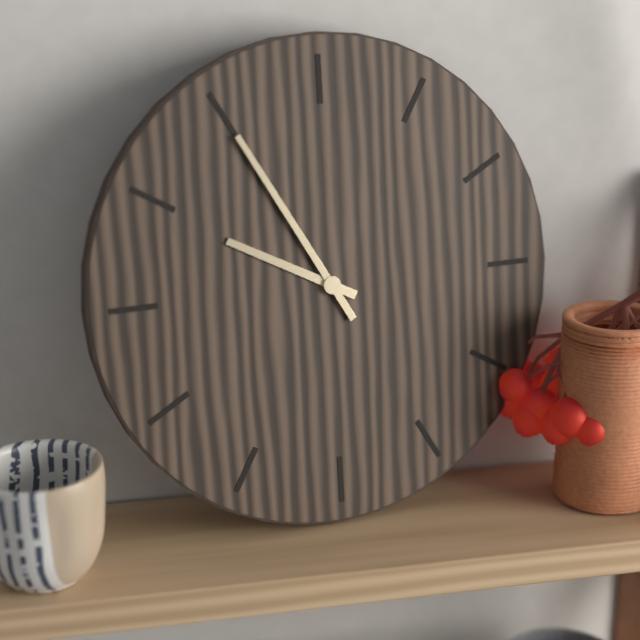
9:55
